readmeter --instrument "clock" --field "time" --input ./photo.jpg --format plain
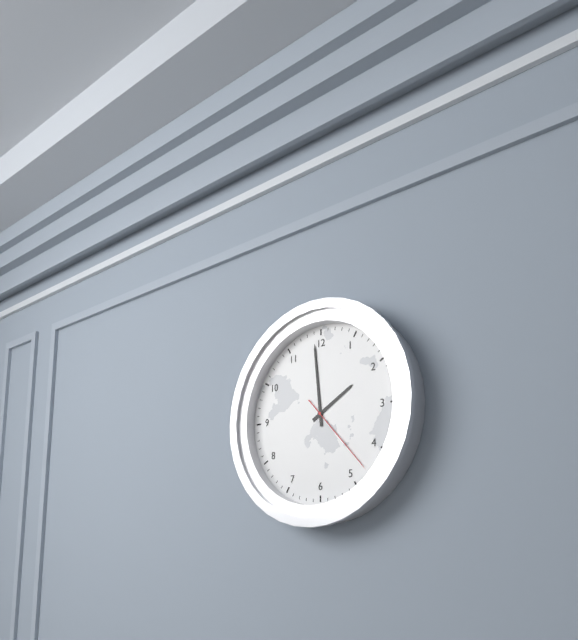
1:59:23
